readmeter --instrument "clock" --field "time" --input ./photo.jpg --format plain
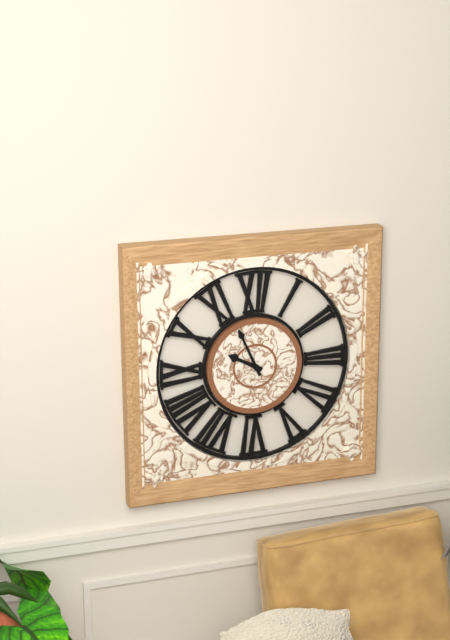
9:56
